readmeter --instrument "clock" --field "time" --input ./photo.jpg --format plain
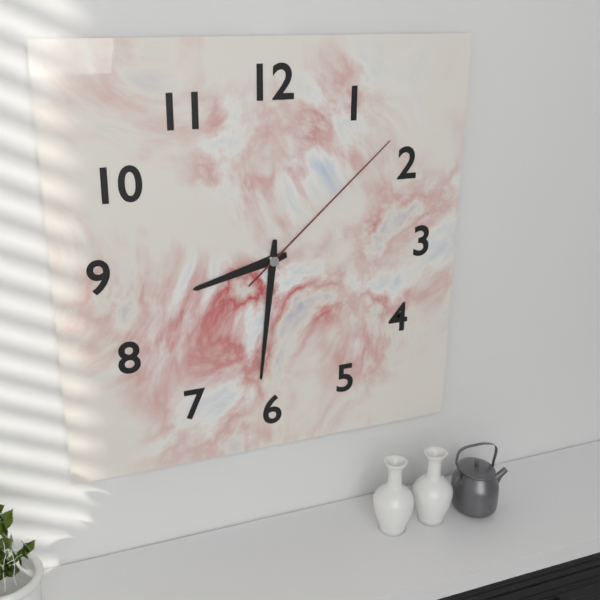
8:31:08
